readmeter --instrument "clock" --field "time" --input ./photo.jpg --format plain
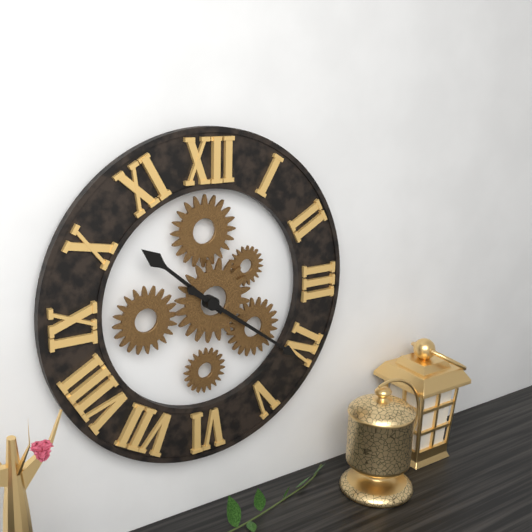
10:21
